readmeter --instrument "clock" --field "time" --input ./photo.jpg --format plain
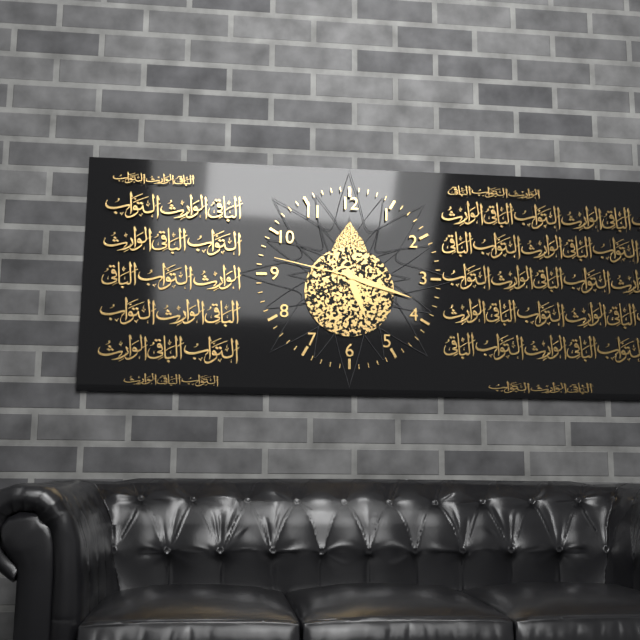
5:18:47
